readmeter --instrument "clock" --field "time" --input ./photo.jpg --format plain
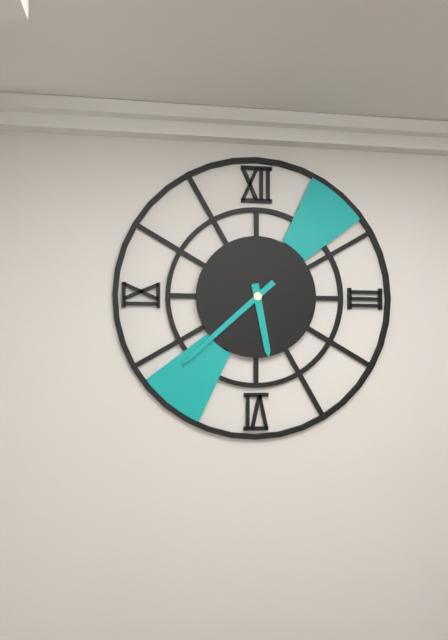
5:38
